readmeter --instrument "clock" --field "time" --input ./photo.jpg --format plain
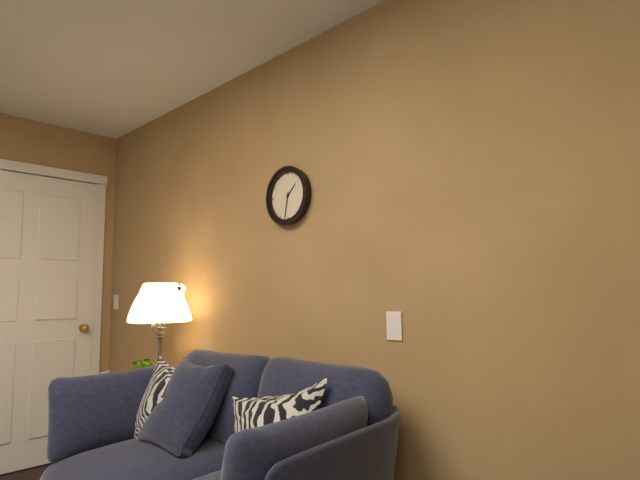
1:32
